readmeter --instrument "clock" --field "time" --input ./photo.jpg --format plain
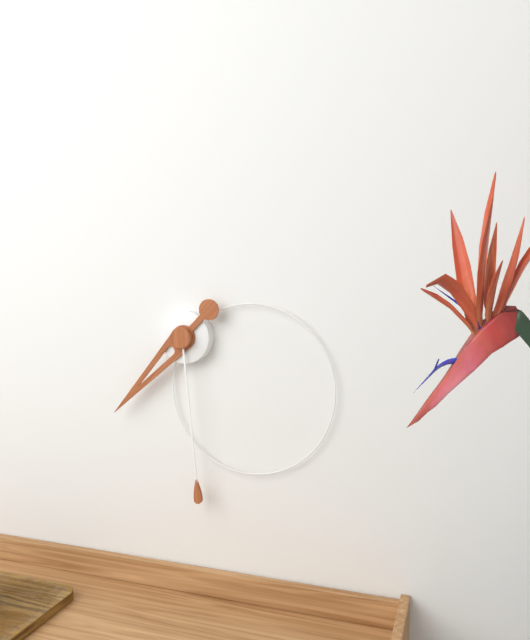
7:29
